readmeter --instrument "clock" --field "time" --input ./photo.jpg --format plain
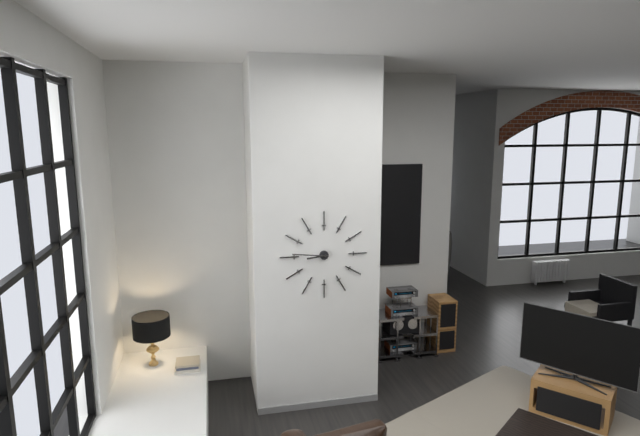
8:46
